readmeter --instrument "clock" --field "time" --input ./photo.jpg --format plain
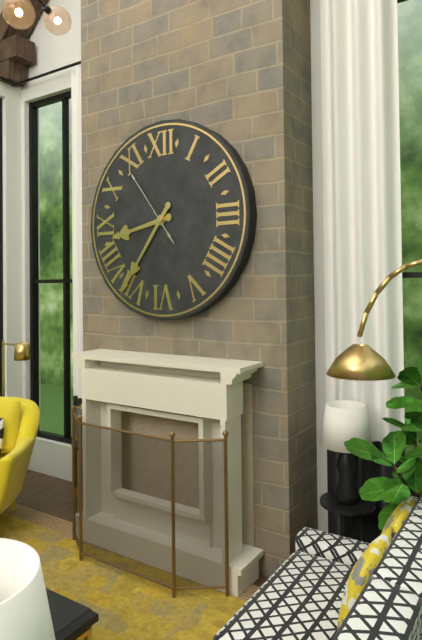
8:36:54
